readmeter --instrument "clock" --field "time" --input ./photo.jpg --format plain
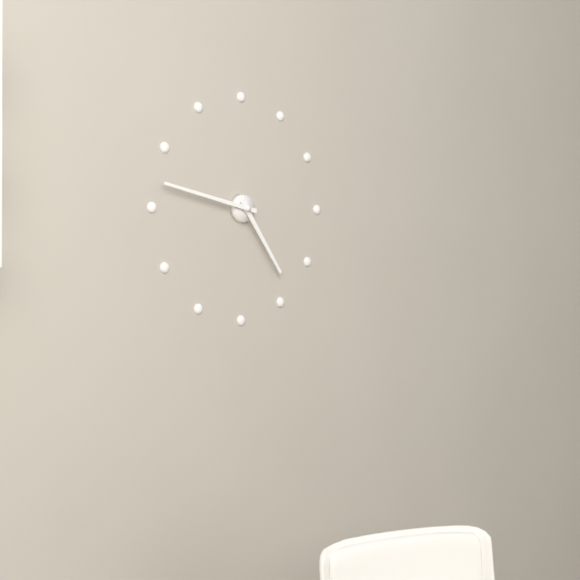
4:47
